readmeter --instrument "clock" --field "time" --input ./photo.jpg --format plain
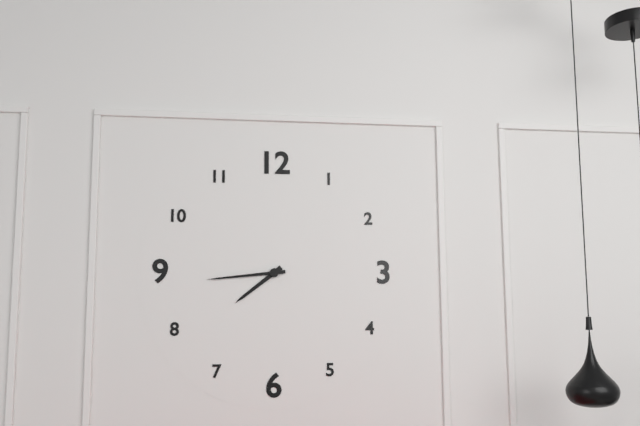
7:44
